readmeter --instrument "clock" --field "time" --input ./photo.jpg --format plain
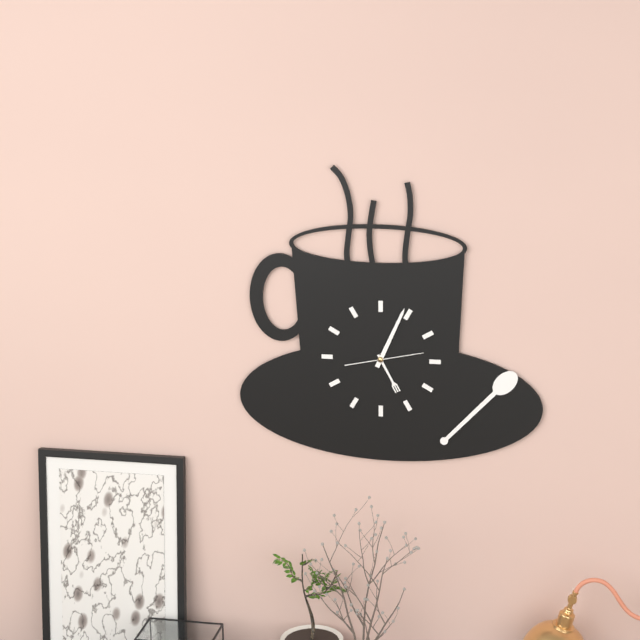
5:04:13
